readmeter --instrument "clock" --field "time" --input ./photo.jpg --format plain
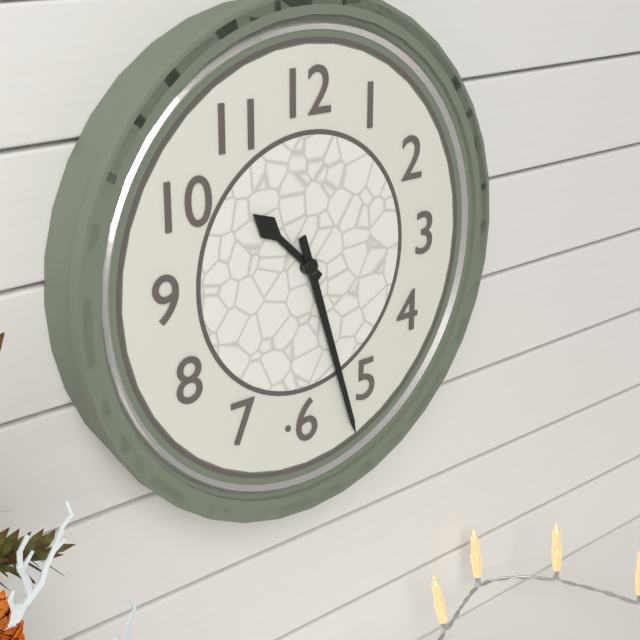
10:27
